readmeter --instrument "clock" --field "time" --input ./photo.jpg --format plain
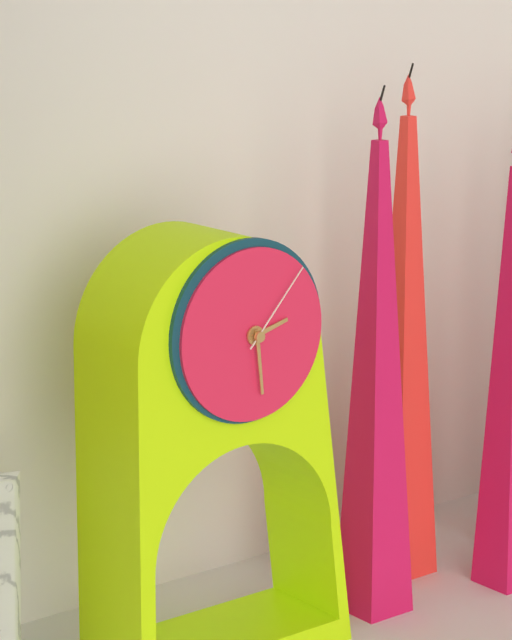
2:29:07
